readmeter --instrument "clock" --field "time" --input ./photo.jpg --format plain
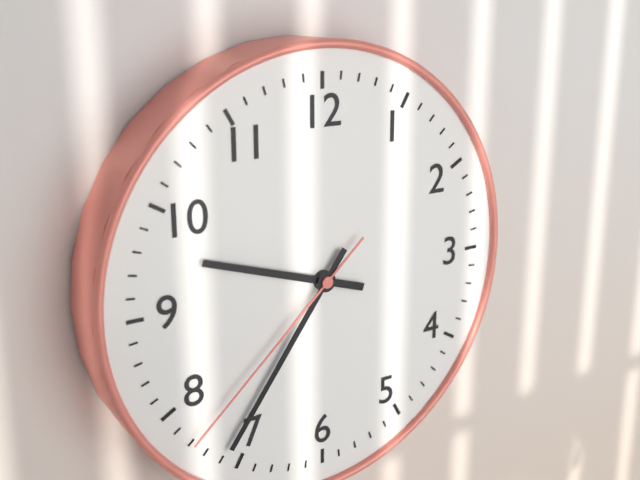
9:36:38
